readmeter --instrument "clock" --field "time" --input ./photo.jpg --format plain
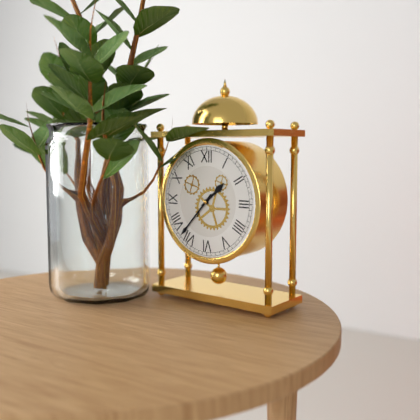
1:37
